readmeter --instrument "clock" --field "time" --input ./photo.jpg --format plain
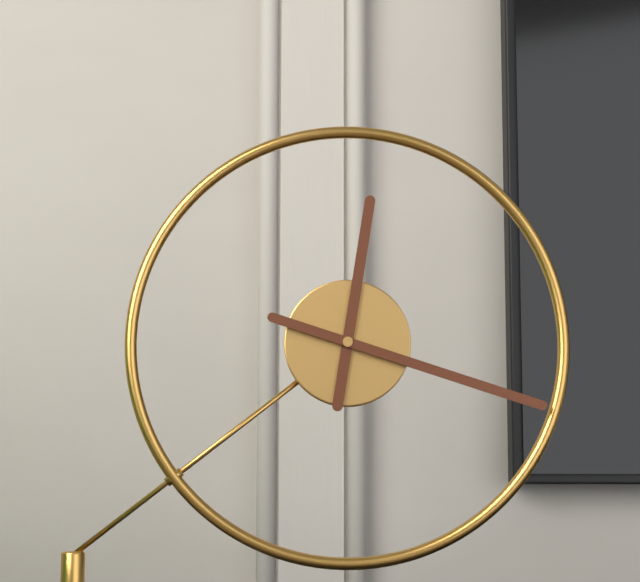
12:18
